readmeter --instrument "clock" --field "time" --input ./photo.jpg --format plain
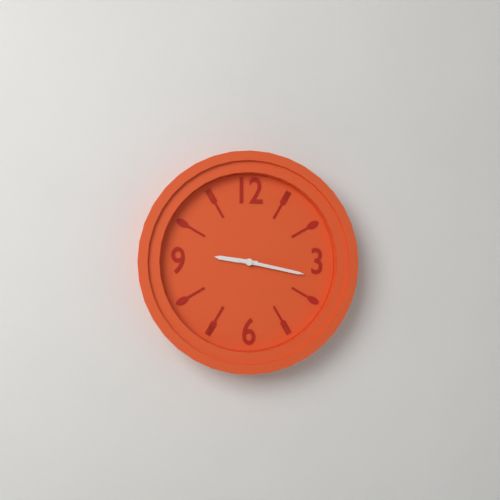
9:17
